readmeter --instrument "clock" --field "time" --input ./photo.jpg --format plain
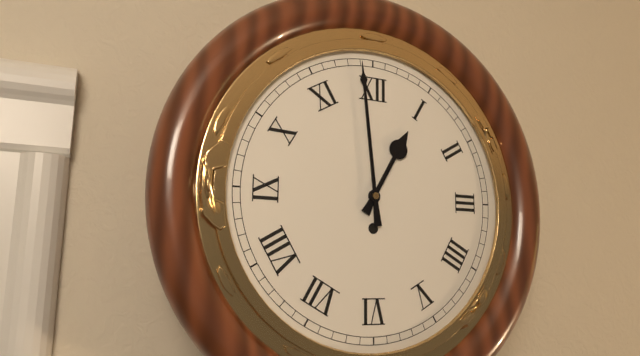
12:59
